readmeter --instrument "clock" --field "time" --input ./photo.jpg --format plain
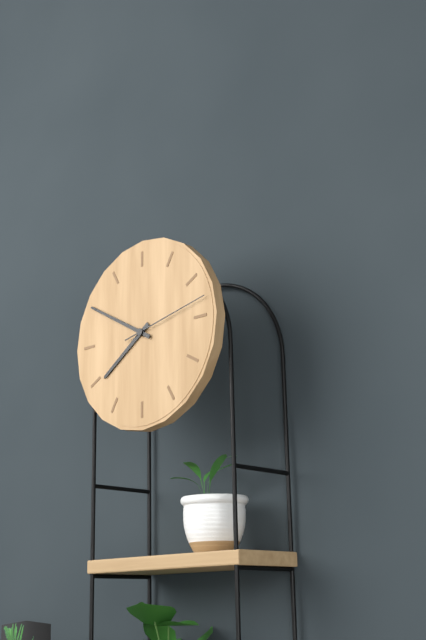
7:50:13
